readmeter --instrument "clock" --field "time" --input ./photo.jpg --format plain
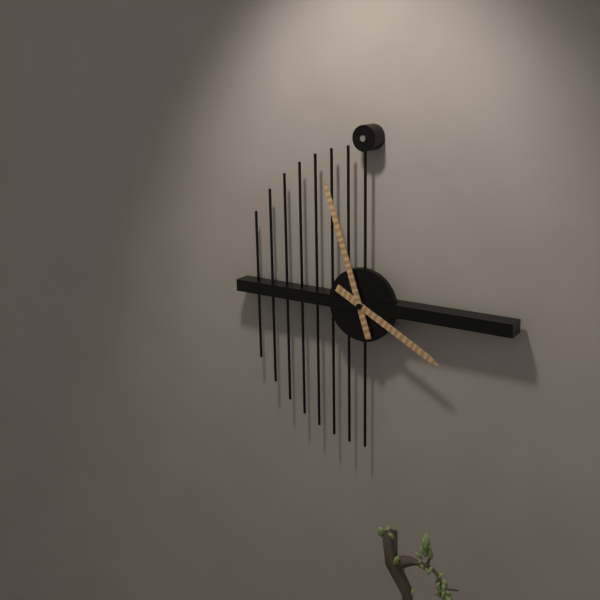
3:57
